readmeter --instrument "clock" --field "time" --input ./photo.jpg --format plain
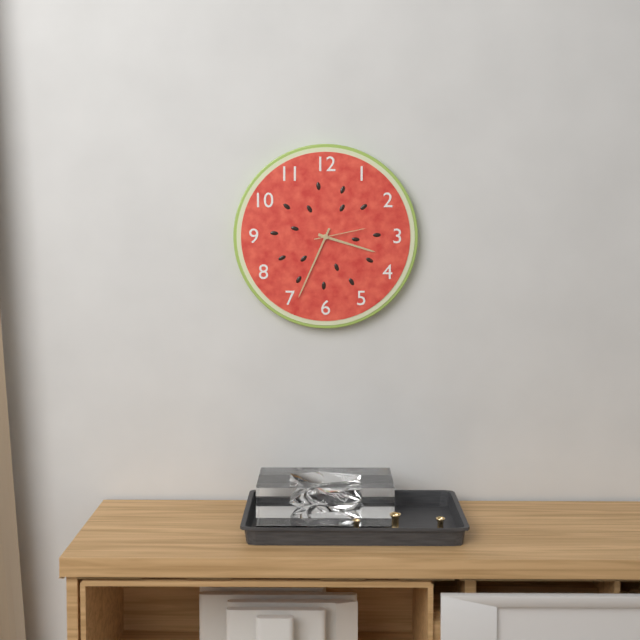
3:34:13
